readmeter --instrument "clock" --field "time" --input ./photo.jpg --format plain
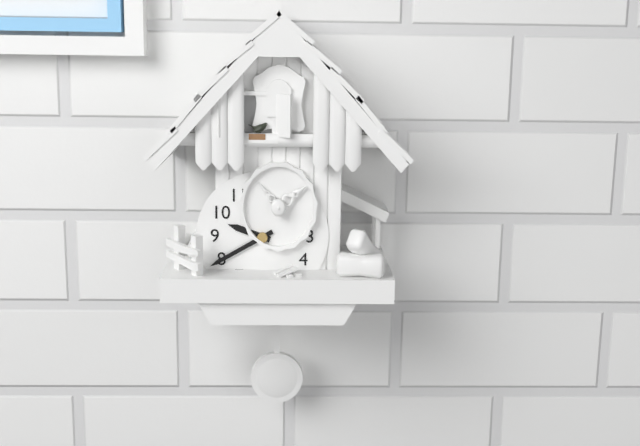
9:40
